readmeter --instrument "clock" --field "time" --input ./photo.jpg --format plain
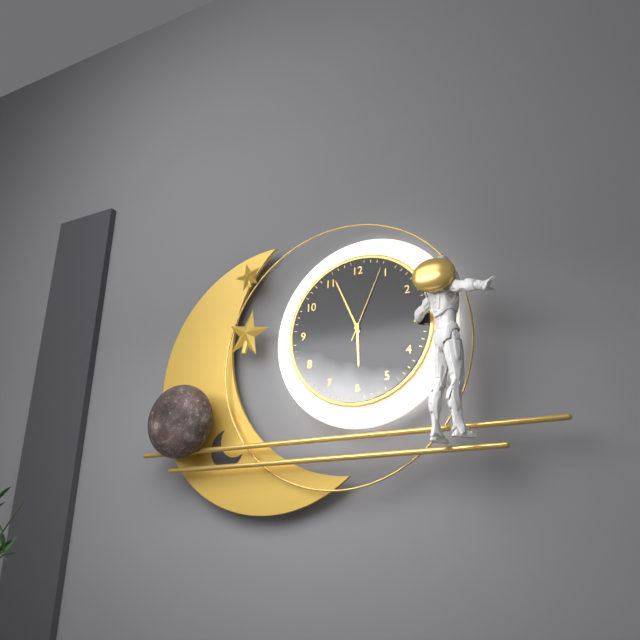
5:56:04
